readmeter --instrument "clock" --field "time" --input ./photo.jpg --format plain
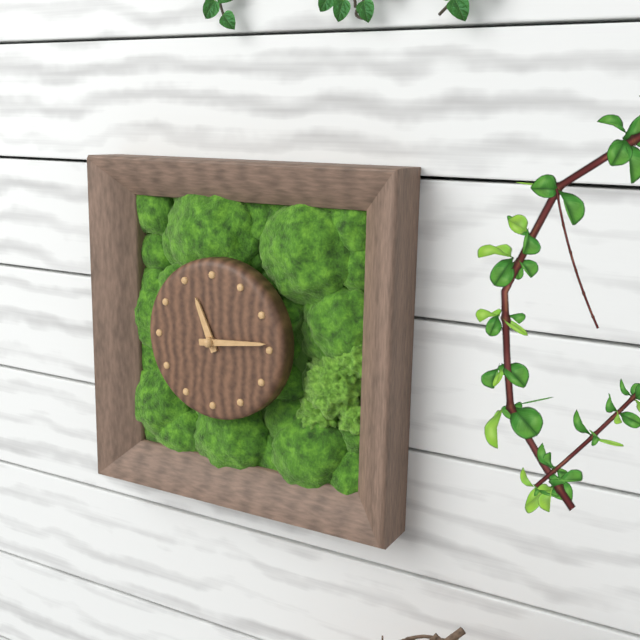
11:14
